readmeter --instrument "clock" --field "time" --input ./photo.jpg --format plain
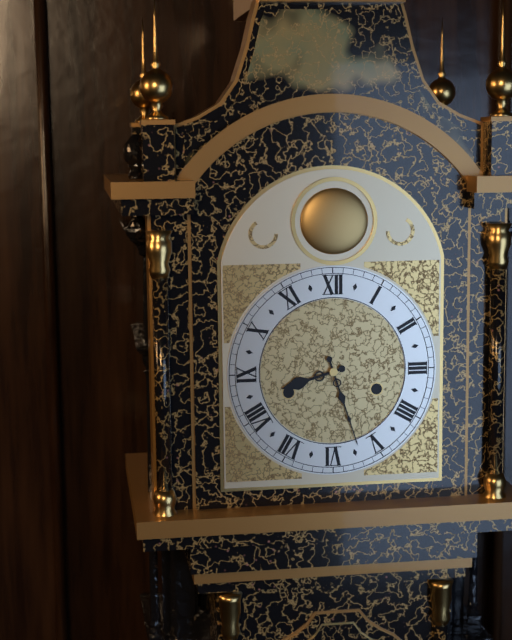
8:27
